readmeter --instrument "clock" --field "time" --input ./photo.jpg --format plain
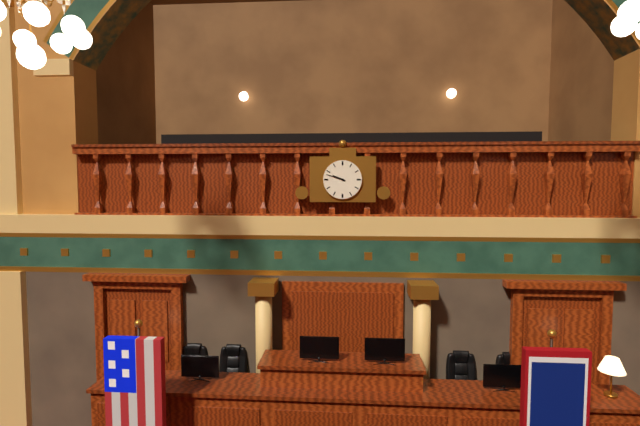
9:48
